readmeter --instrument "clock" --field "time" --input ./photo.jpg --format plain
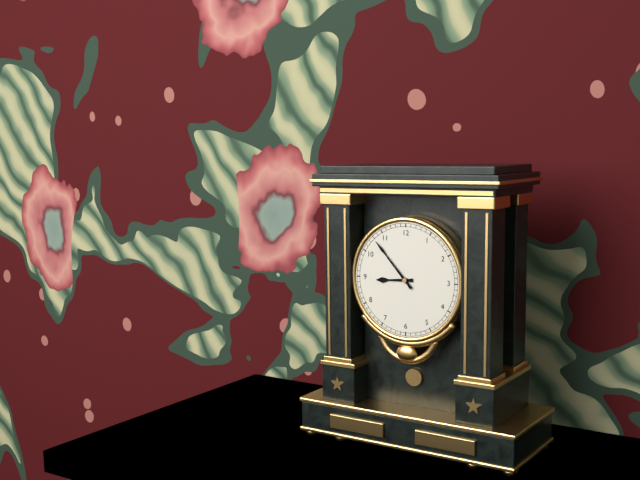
8:53
